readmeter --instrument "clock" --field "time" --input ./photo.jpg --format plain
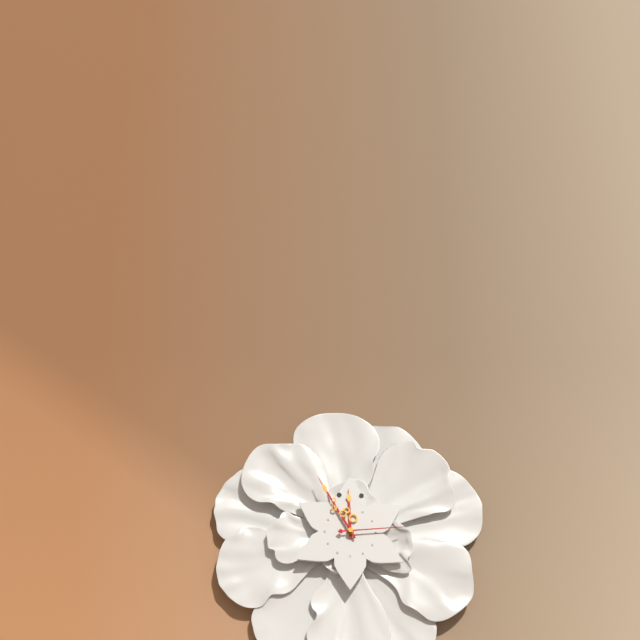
11:55:14
